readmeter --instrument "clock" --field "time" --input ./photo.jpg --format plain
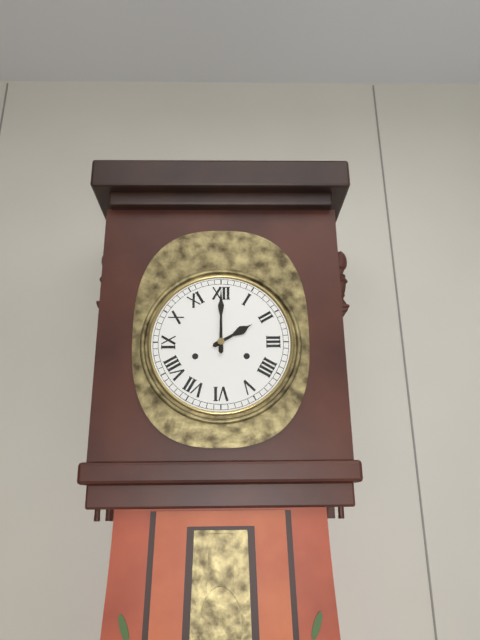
2:00
